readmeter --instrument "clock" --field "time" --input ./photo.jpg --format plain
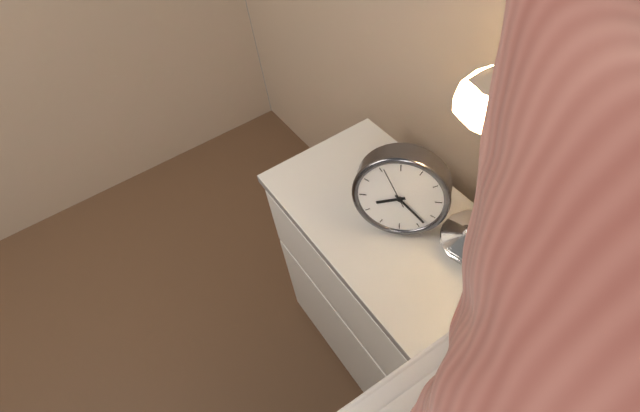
8:23
